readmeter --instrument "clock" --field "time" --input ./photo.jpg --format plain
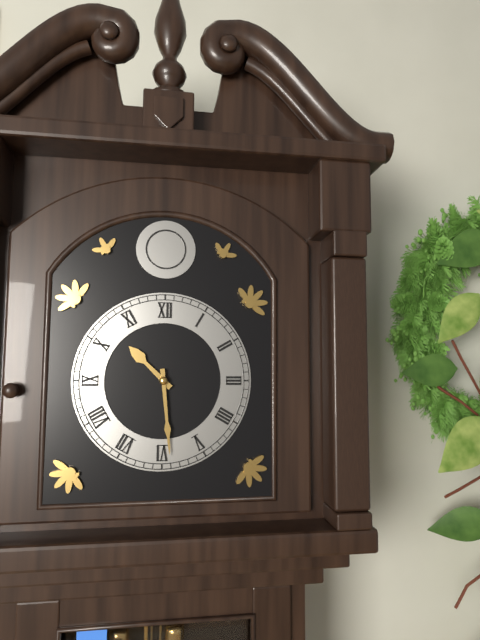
10:29
